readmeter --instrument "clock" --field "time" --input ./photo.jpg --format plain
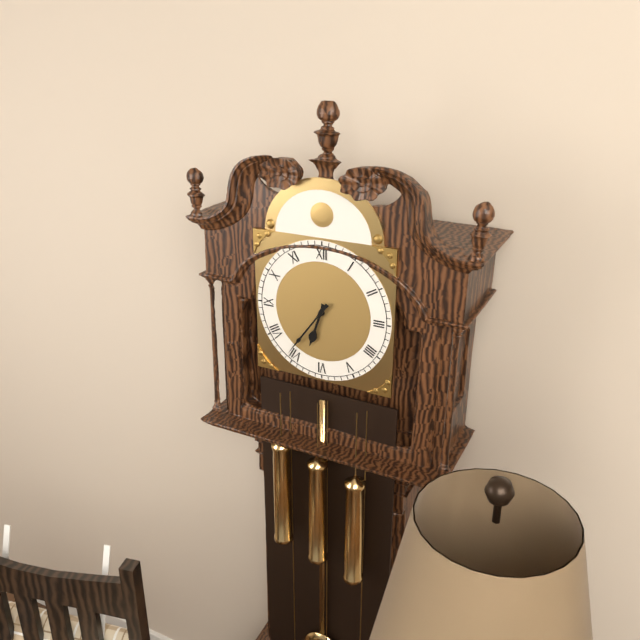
6:36
